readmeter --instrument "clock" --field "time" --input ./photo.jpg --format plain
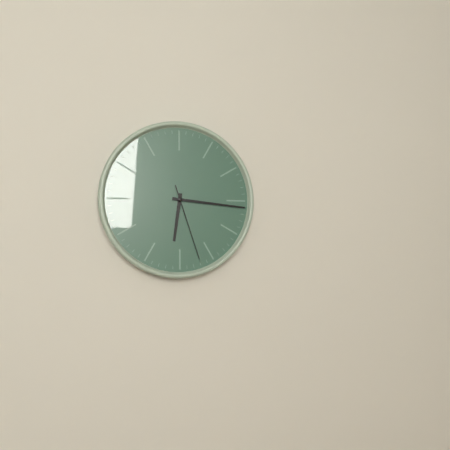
6:16:27
